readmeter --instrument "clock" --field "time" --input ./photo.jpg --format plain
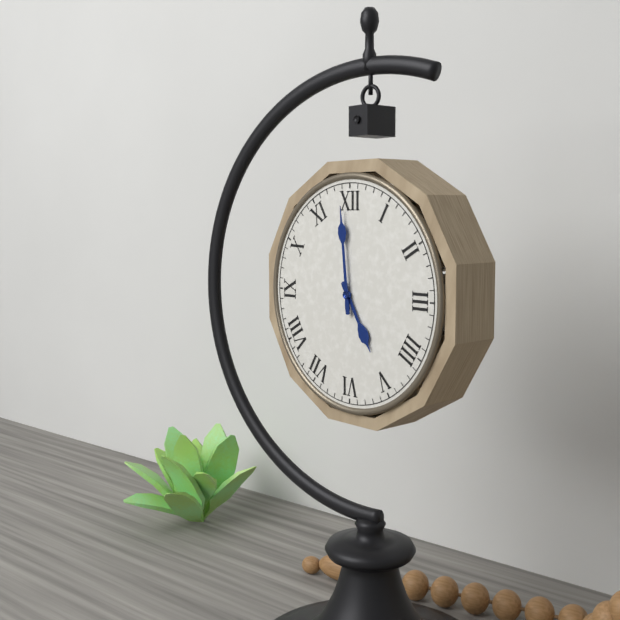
4:59
